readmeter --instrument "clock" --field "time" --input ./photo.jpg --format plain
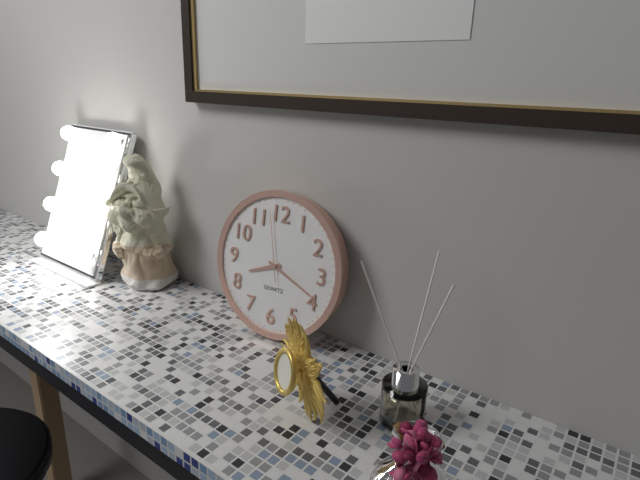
8:19:58
